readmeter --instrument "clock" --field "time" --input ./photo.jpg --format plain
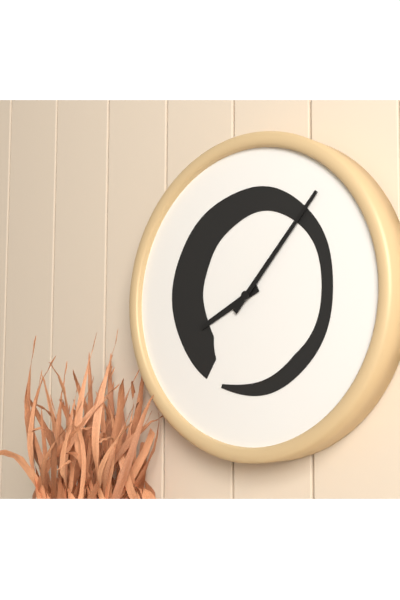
8:07
